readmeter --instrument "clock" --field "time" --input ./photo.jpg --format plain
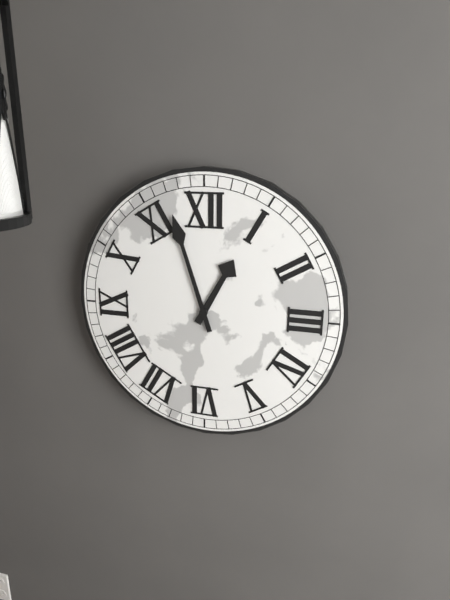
12:57
